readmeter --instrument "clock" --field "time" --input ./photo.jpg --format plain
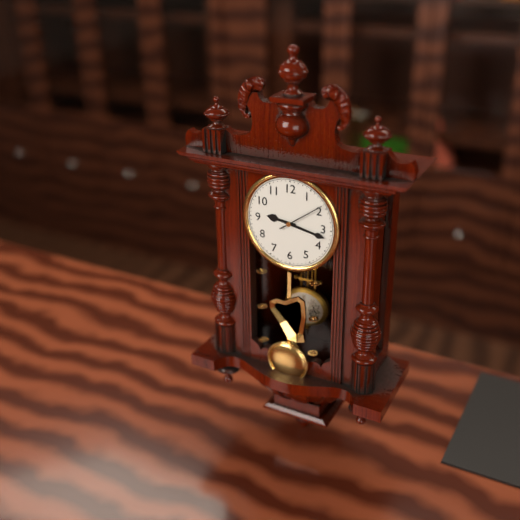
9:17
